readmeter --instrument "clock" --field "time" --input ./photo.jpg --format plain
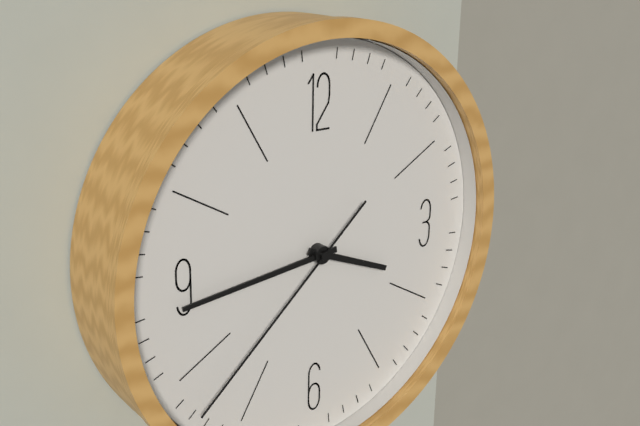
3:44:38
